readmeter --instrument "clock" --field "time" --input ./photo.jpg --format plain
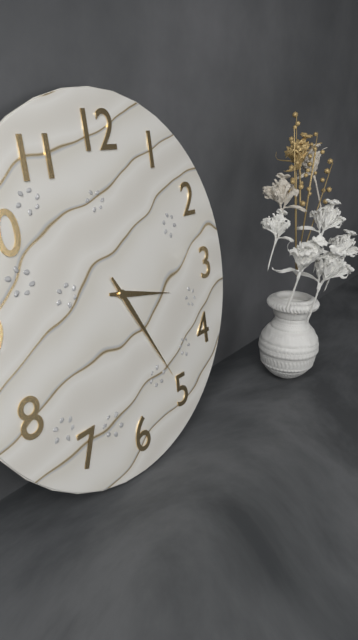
3:25
